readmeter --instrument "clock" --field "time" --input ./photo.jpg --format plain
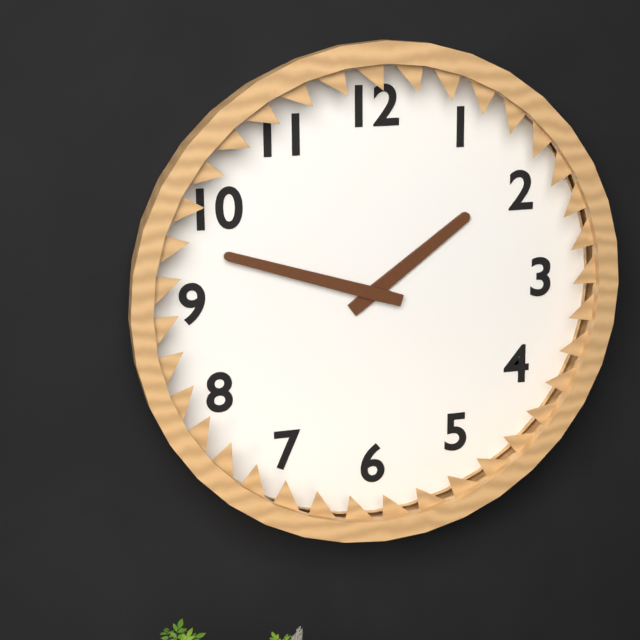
1:48
